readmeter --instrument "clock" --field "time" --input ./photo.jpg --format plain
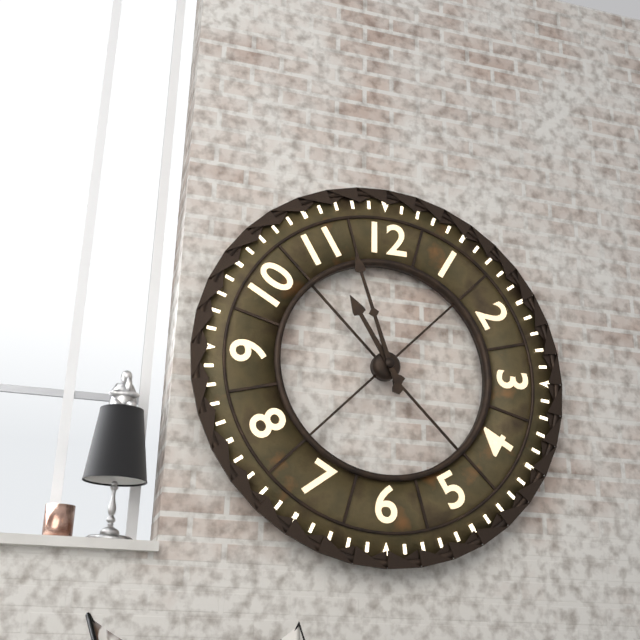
10:57
